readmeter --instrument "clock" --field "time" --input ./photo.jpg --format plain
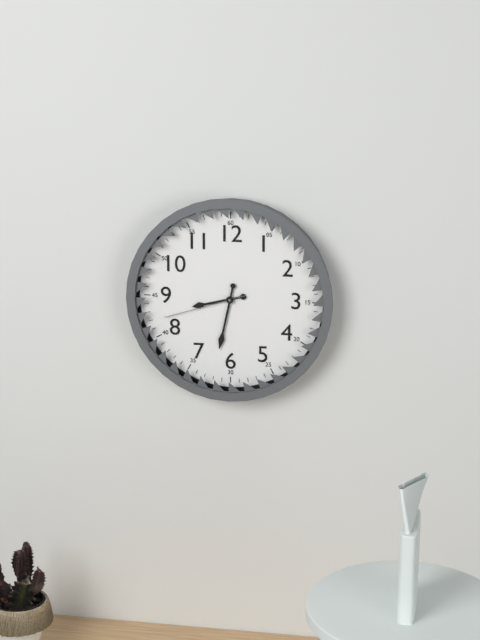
8:32:42
